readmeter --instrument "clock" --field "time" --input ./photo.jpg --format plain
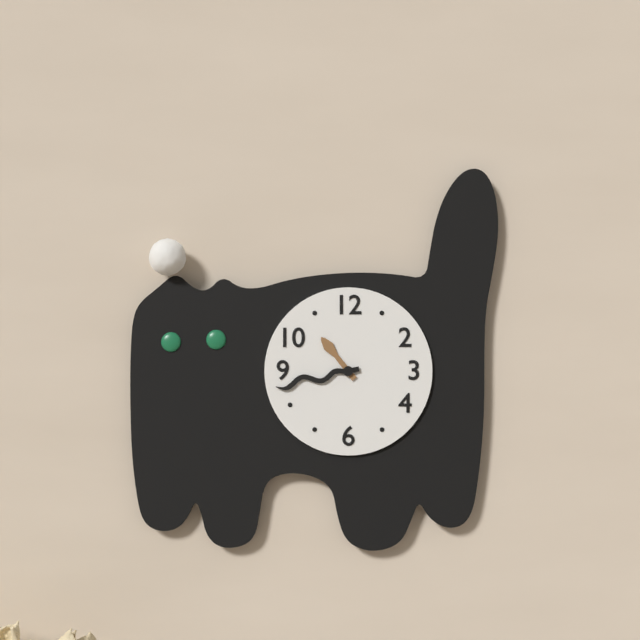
10:43
